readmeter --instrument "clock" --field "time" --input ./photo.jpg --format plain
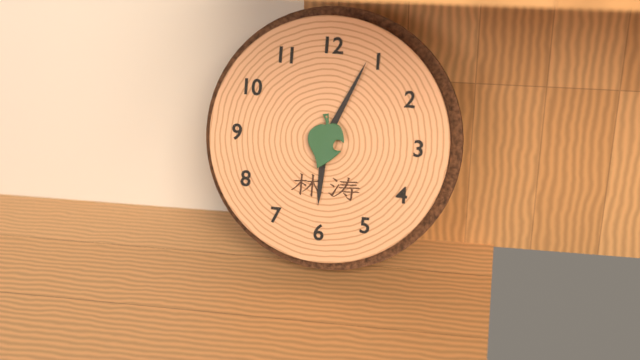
6:04
